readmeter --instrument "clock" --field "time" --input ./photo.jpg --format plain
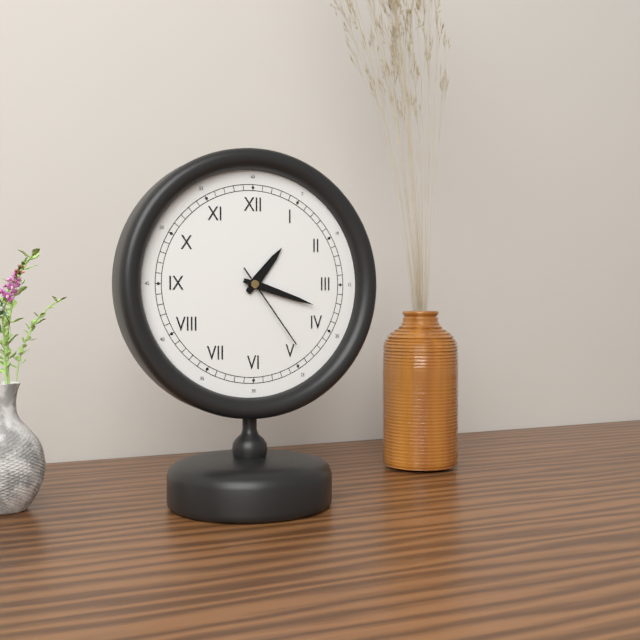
1:18:24
